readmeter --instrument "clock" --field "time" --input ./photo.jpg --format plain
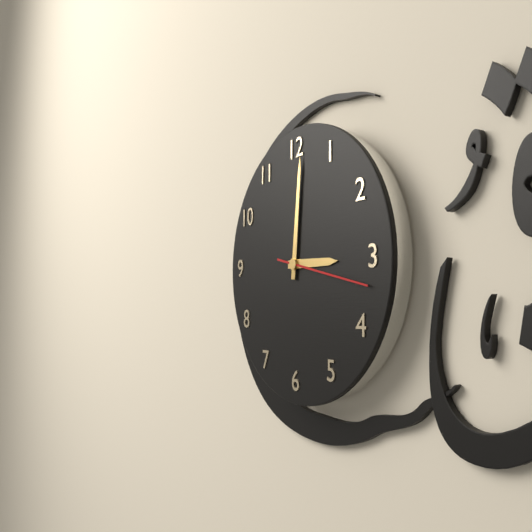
3:01:17
